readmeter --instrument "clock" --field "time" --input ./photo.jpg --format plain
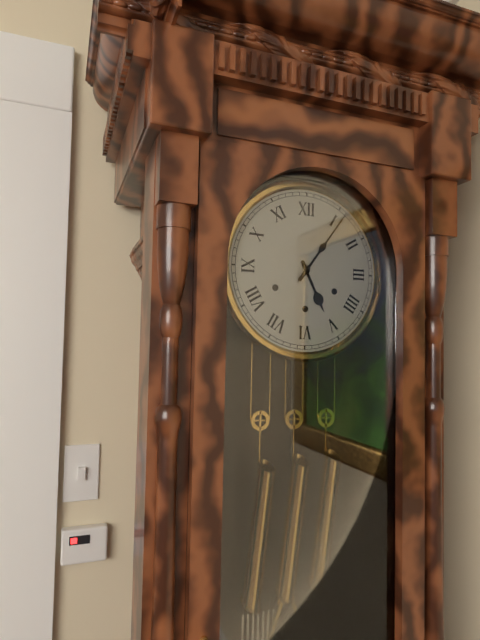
5:06
